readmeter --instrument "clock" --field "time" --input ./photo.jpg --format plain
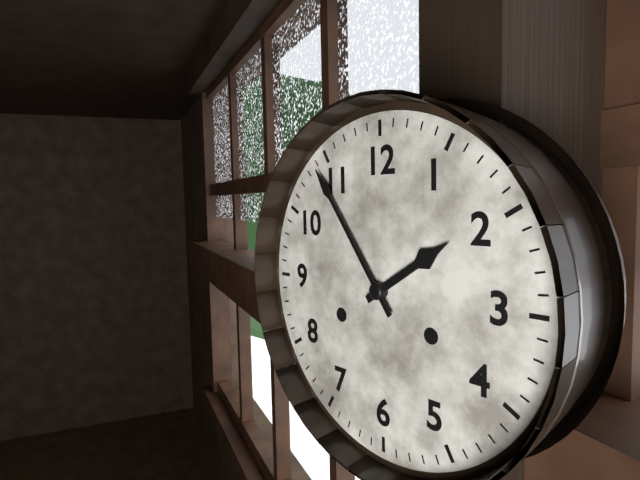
1:54
